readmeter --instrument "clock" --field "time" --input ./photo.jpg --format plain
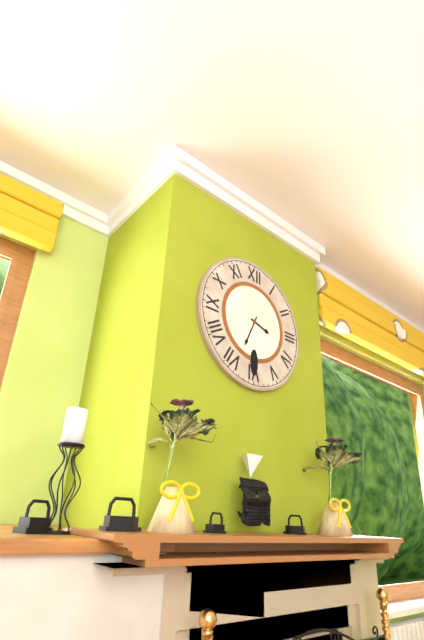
3:34
